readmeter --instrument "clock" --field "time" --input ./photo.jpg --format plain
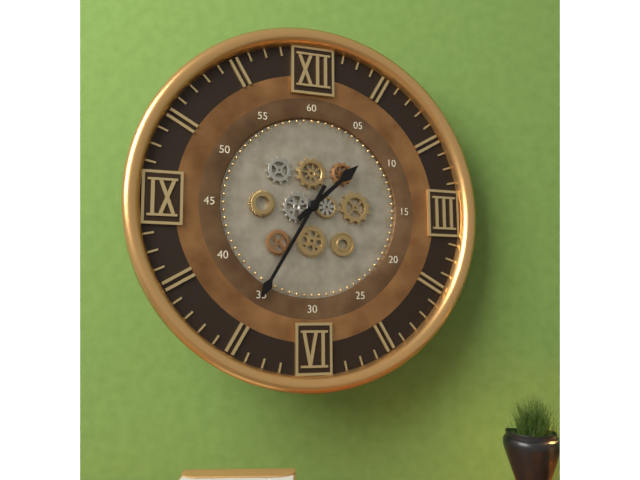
1:35
